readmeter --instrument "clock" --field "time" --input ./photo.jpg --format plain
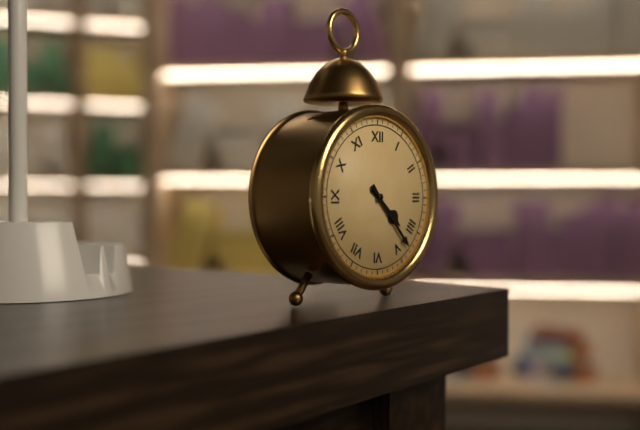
4:23
